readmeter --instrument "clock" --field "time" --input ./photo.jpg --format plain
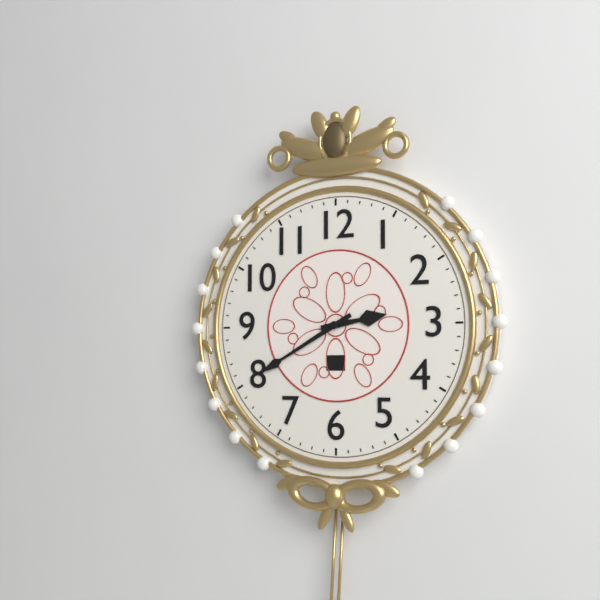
2:40
